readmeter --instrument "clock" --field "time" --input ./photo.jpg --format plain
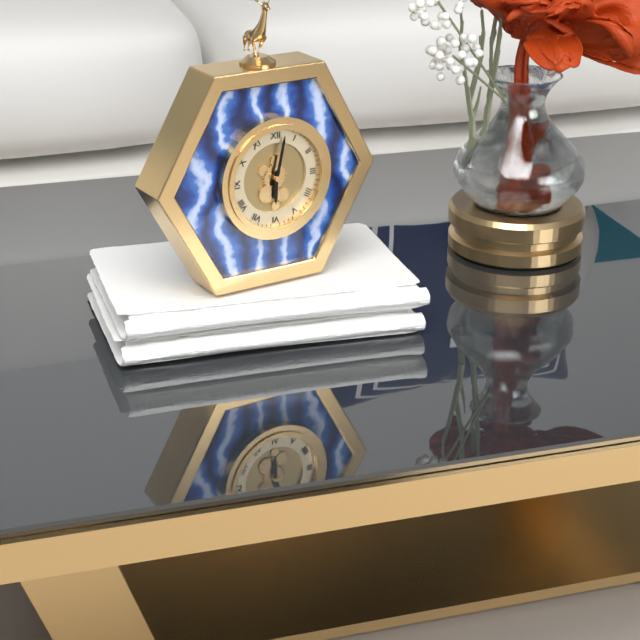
6:02
